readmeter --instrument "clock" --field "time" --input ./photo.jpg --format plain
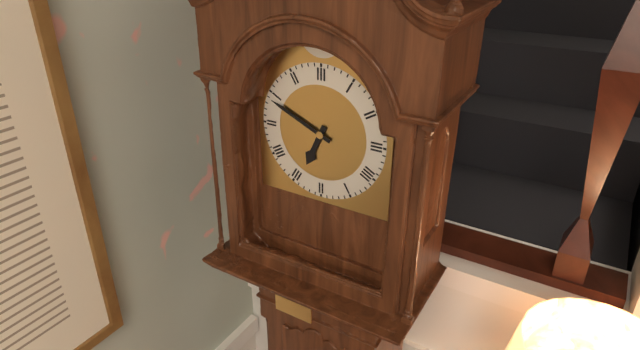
6:49
